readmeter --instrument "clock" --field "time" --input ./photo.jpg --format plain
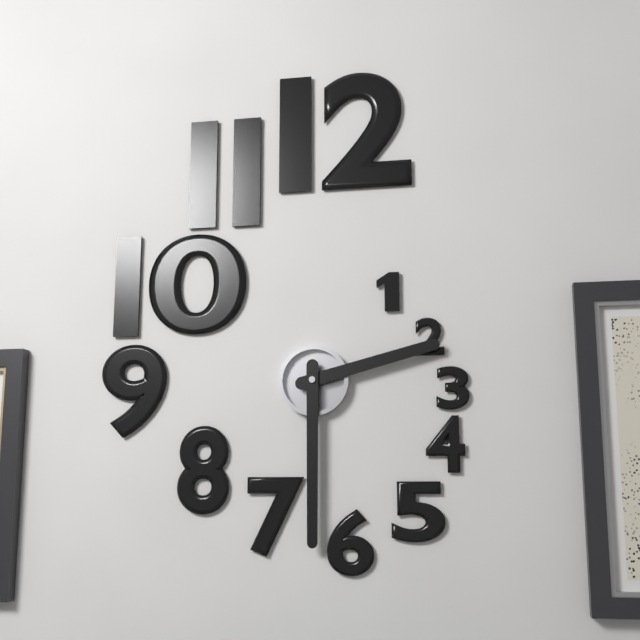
2:30
